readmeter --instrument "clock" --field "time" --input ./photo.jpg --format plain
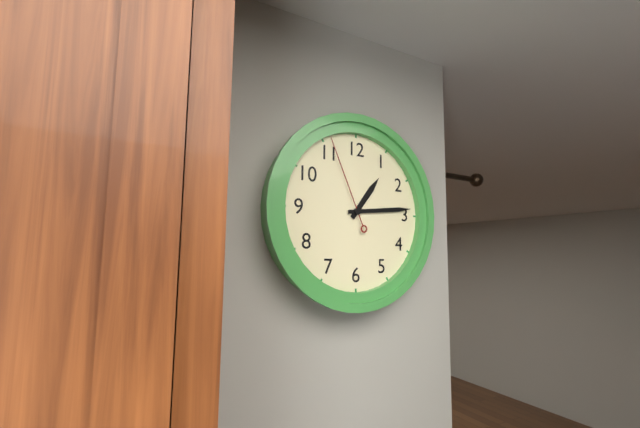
1:14:56
